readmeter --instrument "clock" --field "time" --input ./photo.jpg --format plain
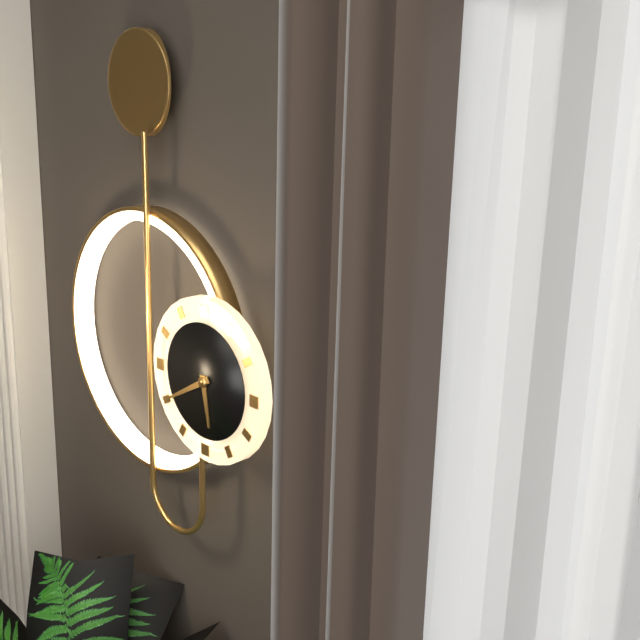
5:40
